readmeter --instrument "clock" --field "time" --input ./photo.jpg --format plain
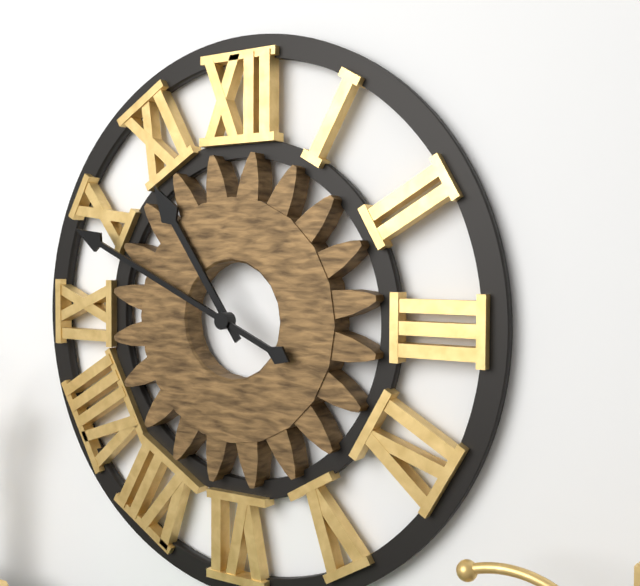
10:49
